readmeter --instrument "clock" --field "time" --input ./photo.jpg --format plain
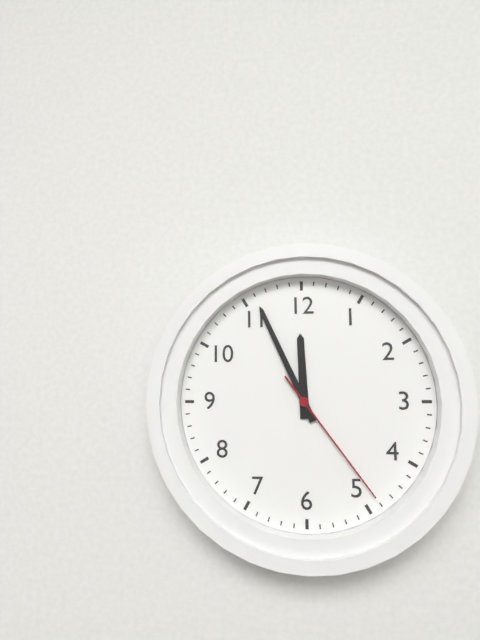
11:56:24
